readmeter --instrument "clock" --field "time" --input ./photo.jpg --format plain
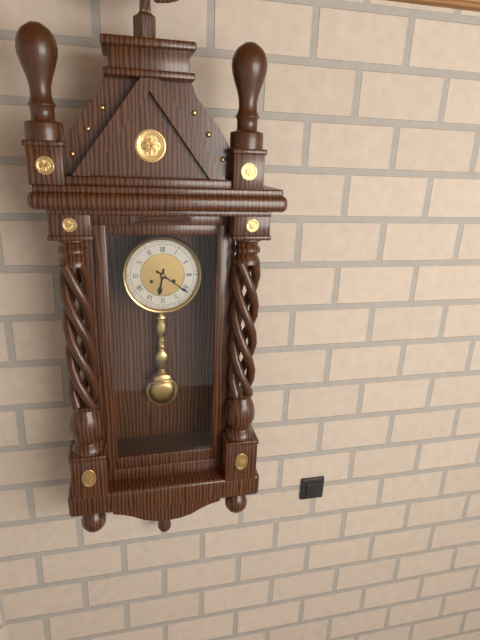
6:21
